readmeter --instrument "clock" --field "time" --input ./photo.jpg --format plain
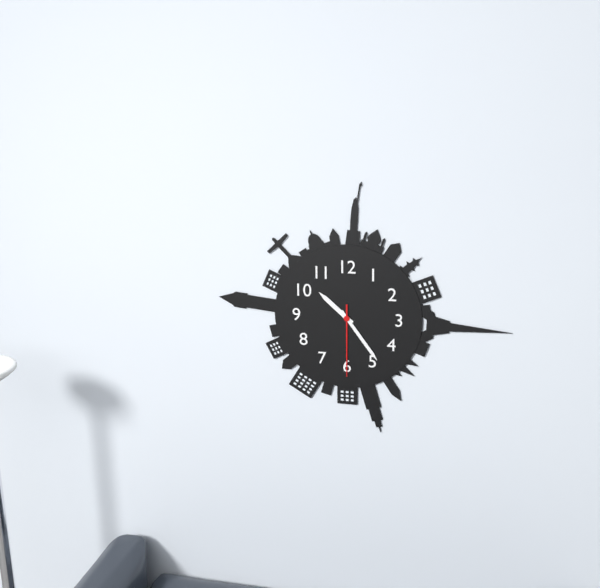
10:24:30
